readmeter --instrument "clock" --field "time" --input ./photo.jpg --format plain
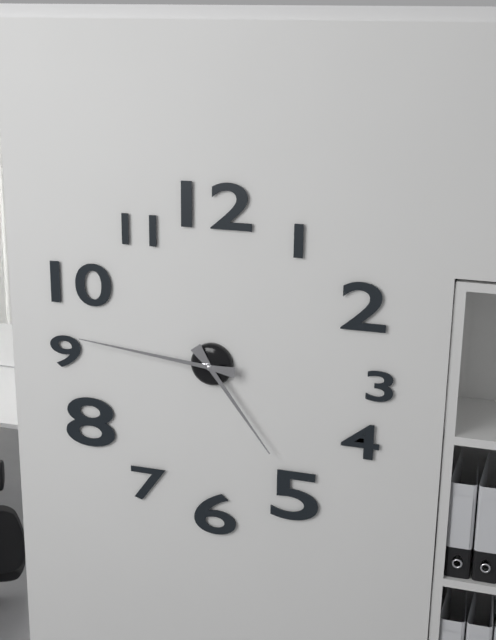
4:46
